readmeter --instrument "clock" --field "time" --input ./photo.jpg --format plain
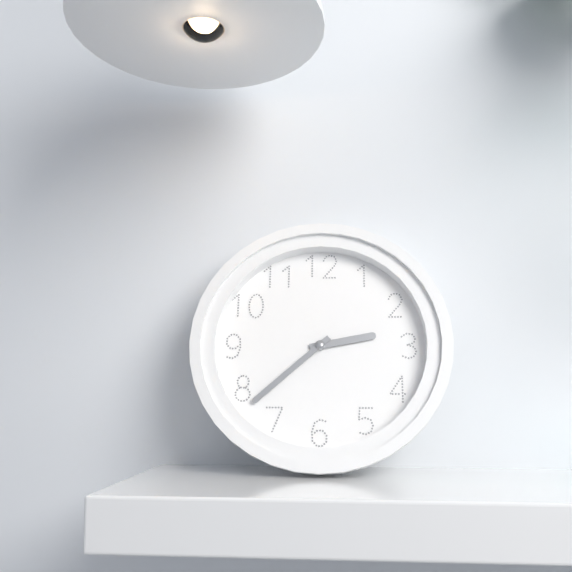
2:38
